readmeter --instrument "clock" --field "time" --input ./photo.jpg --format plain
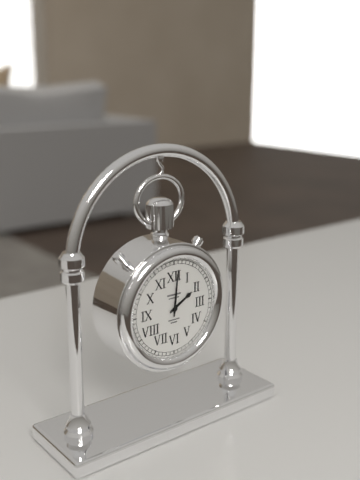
2:01
